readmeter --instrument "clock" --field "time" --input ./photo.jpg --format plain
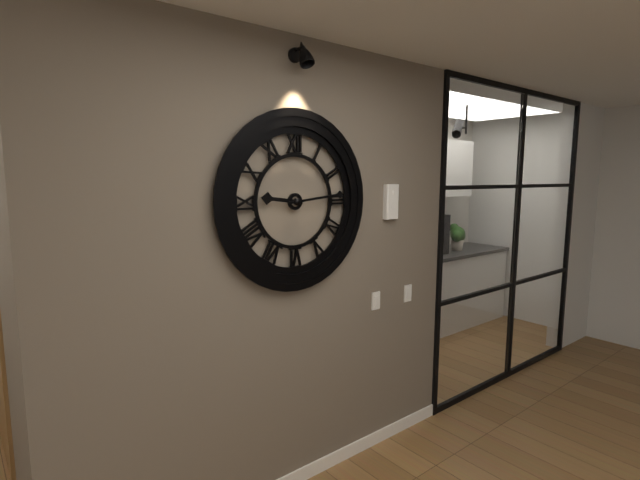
9:14
